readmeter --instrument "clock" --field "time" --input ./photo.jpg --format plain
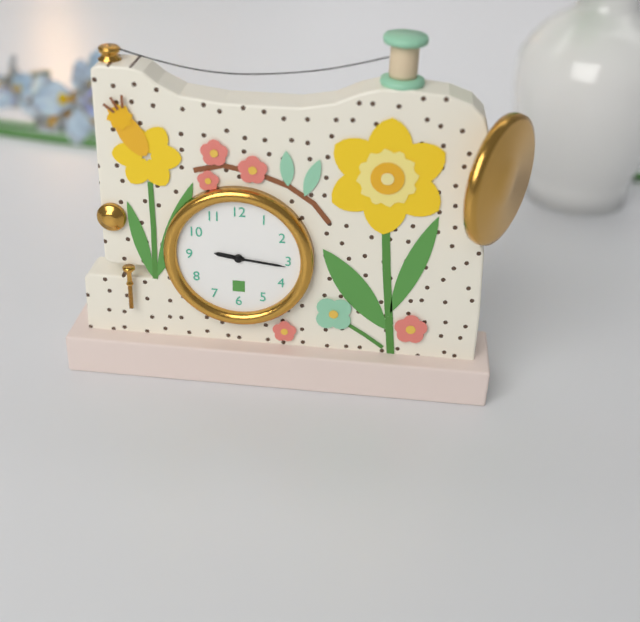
9:16
